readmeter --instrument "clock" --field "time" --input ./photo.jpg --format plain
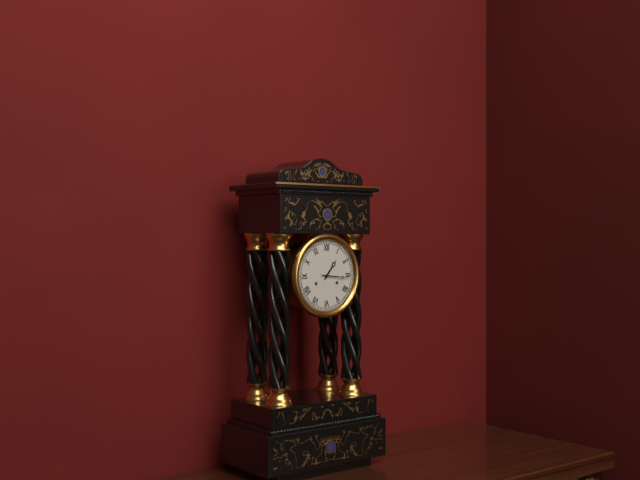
1:16
